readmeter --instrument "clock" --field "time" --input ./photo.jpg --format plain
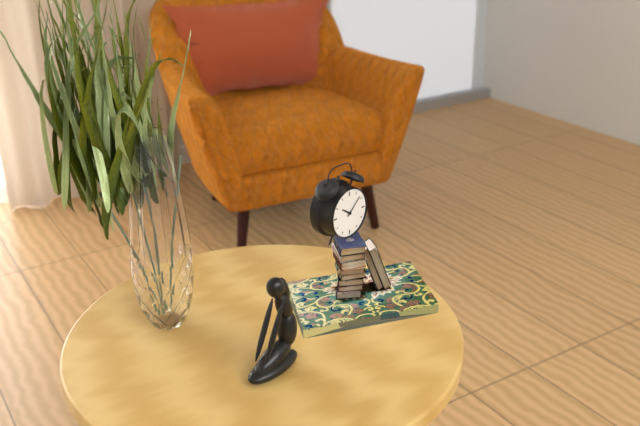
10:08
